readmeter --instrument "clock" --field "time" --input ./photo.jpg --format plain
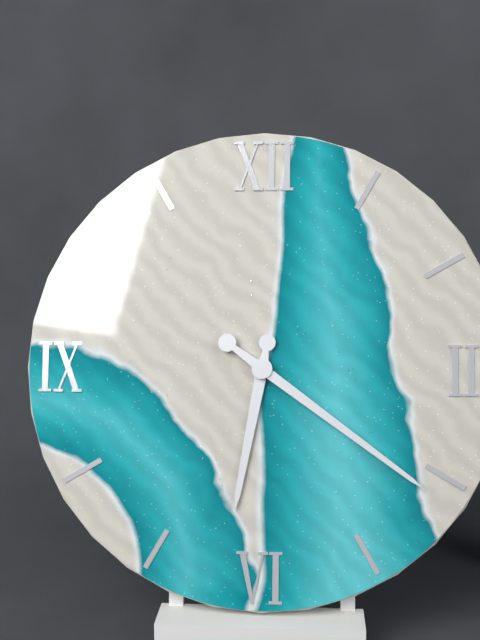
6:21
